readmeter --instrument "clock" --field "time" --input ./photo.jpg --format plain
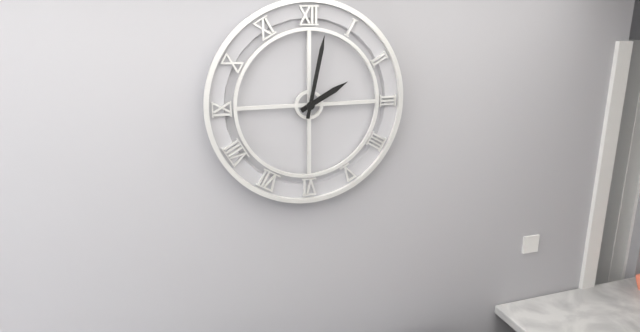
2:02
